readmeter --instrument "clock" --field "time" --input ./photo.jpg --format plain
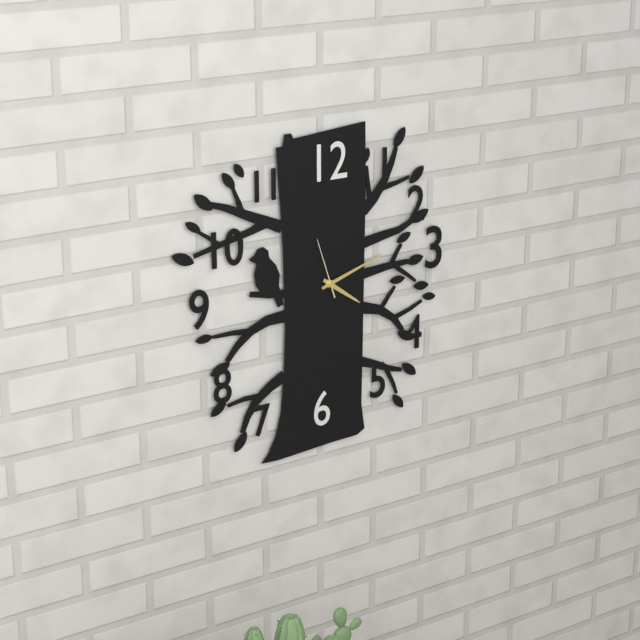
4:12:57
